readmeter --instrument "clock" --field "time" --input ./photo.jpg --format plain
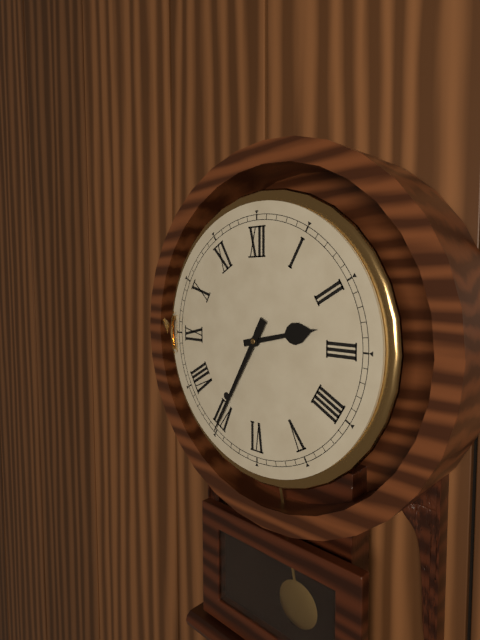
2:35
